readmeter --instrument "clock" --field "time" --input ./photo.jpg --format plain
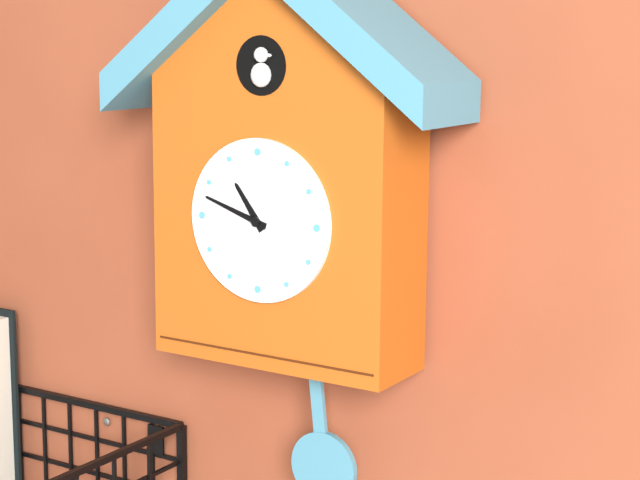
10:48
